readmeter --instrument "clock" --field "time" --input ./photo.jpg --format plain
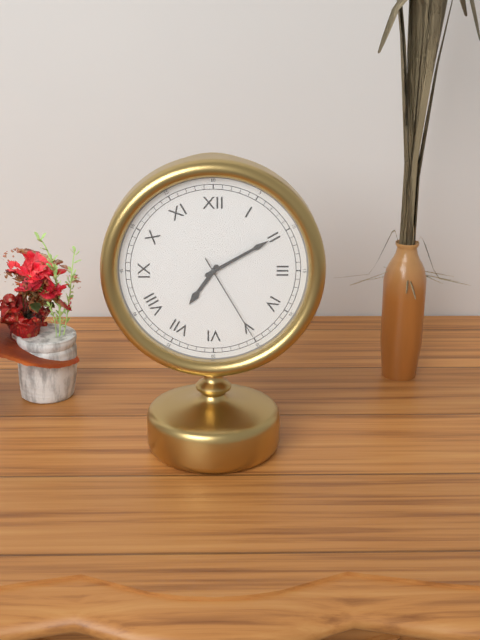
7:10:25
